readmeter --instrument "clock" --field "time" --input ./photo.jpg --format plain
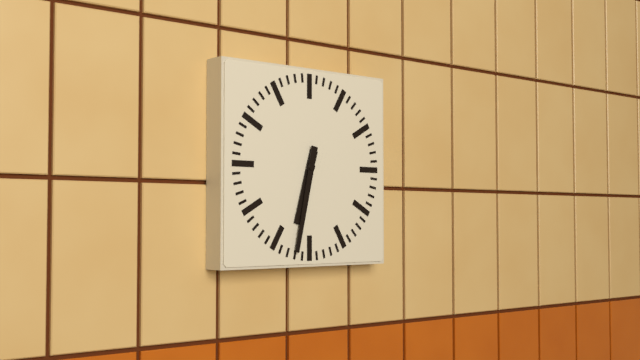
6:32
